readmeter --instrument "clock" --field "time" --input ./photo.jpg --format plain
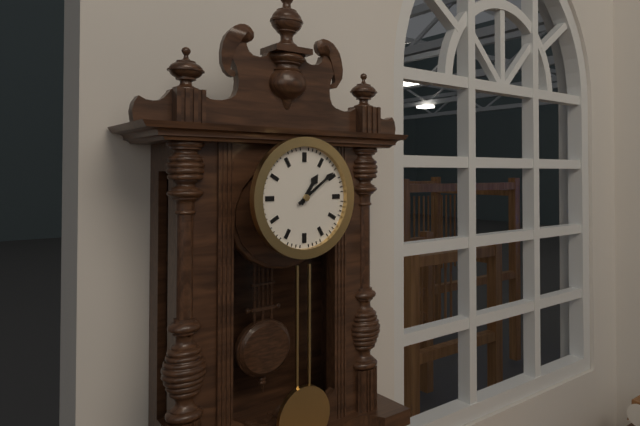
1:09
